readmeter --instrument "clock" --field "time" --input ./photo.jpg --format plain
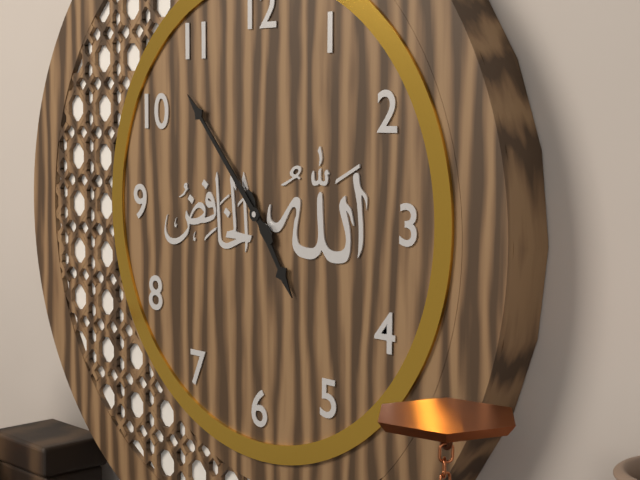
4:53
